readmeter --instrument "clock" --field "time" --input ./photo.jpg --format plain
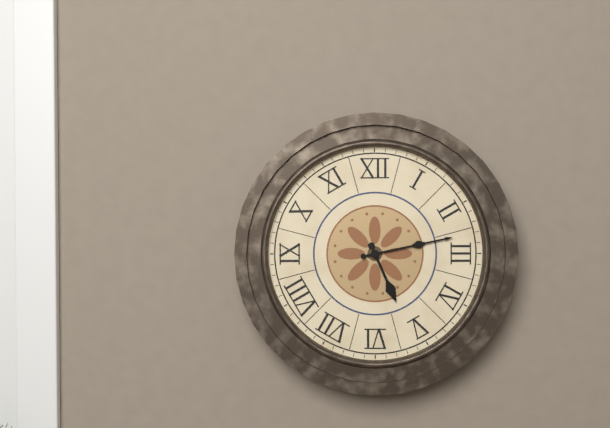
5:13
